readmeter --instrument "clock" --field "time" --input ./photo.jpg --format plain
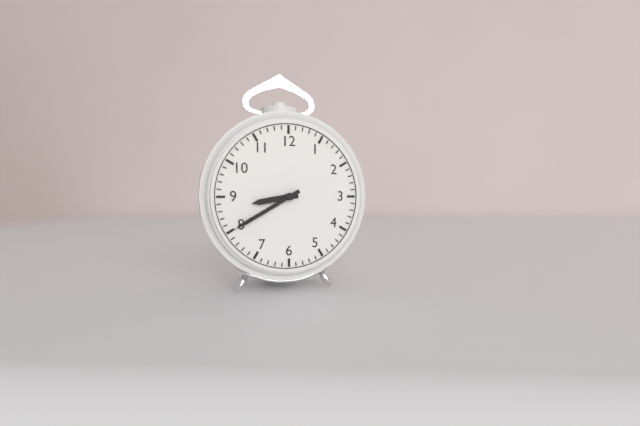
8:40
